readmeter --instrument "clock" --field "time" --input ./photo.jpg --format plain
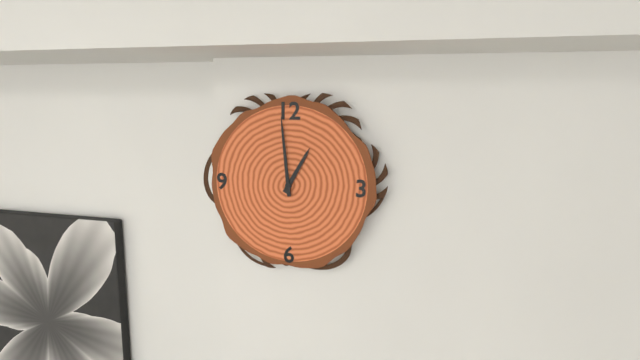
12:59
